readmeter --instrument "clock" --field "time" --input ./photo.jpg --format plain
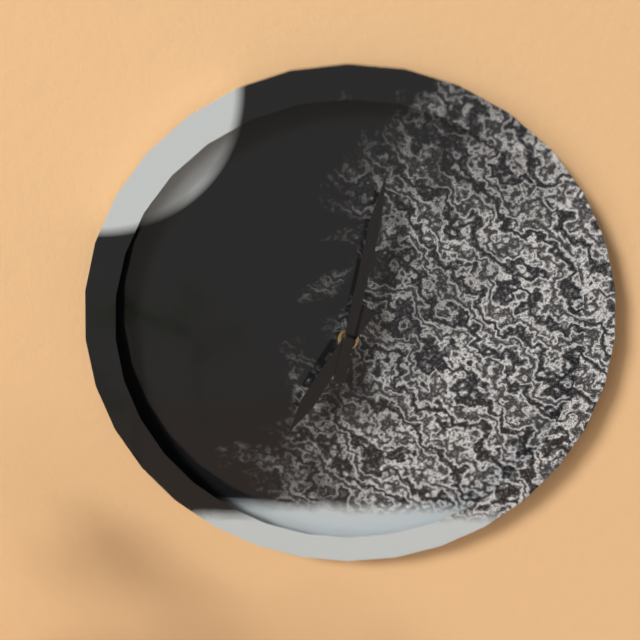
7:02
